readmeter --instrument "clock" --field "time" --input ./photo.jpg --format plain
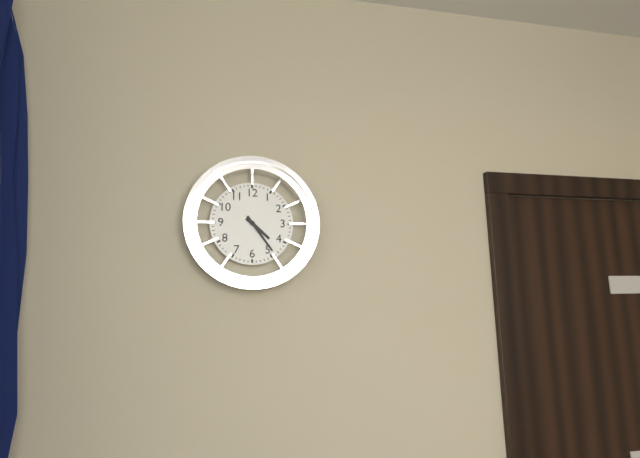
4:24
